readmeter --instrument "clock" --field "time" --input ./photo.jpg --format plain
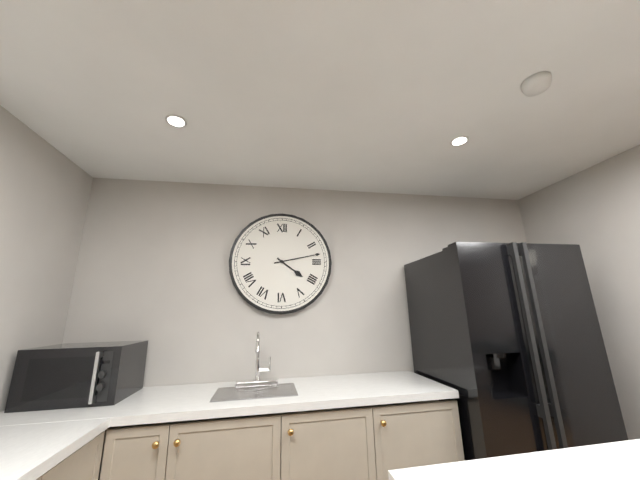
4:13
